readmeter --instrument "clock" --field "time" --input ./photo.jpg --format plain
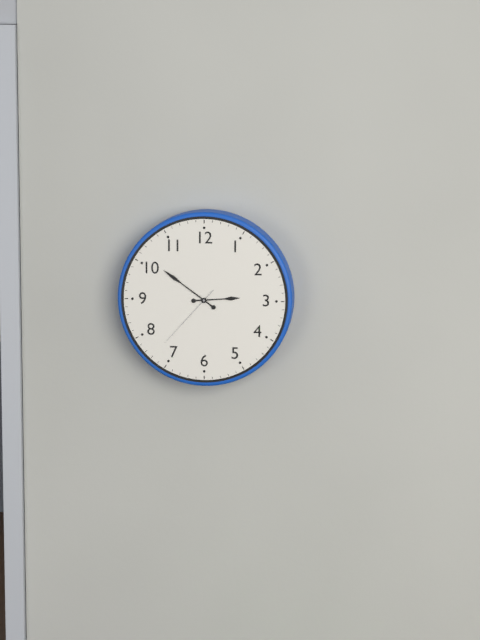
2:51:37
